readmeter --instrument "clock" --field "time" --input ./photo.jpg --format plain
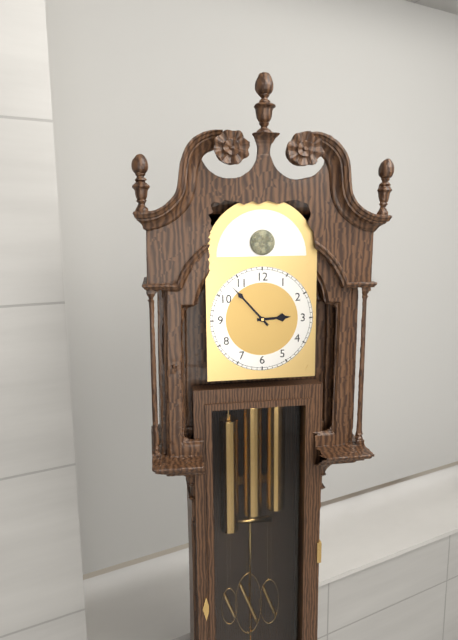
2:53
